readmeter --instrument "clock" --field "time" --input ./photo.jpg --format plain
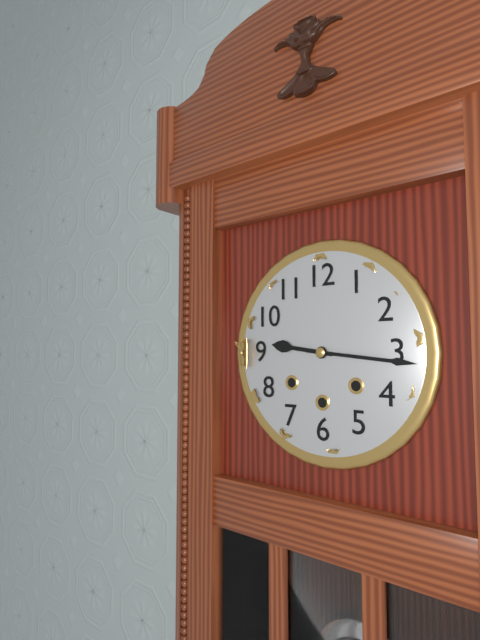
9:16
